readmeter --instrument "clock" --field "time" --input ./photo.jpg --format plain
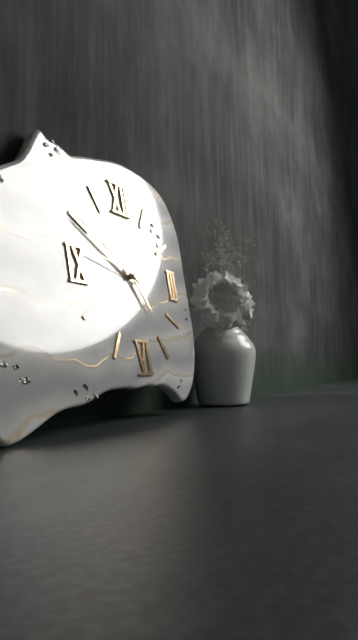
4:50:47
